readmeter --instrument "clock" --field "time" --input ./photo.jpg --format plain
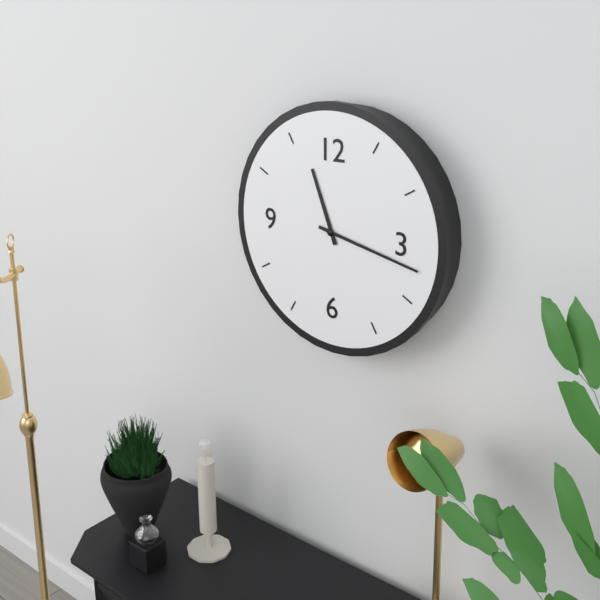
11:17
